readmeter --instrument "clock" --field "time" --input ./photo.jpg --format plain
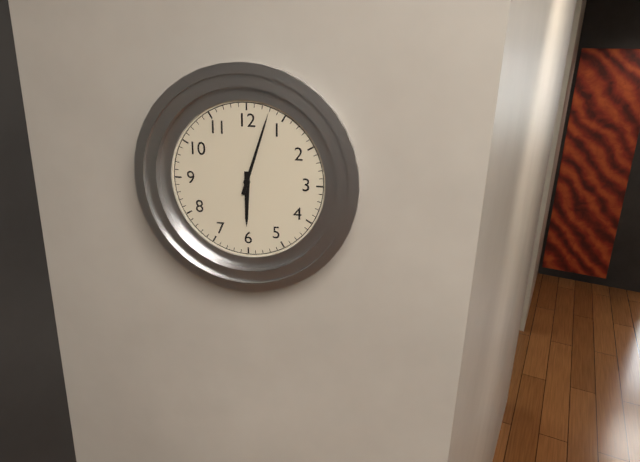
6:03
